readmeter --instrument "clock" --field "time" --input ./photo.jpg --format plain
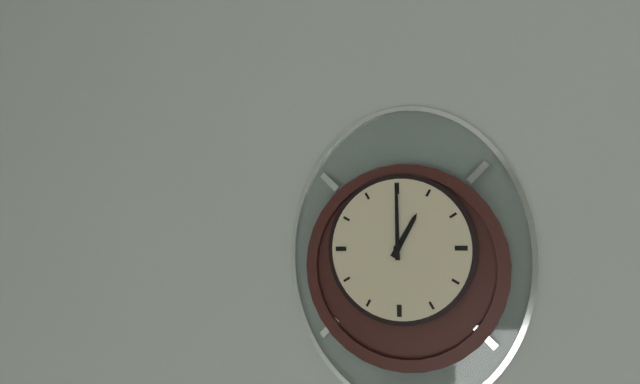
1:00
